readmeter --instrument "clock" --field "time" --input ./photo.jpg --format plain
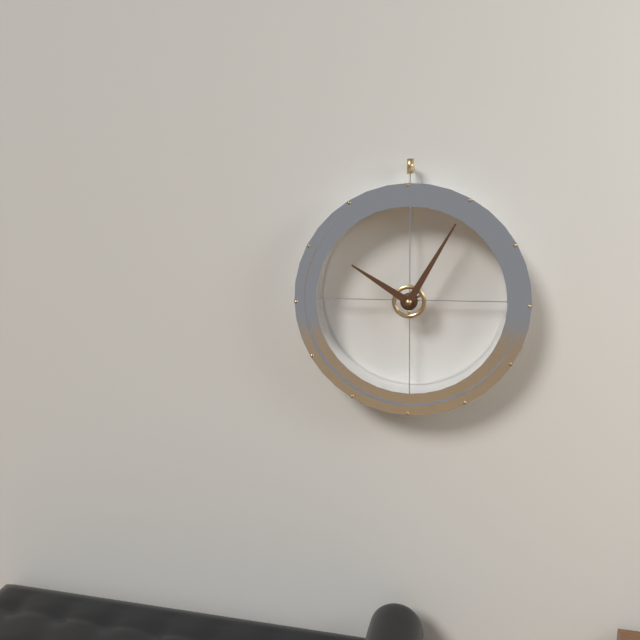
10:05
